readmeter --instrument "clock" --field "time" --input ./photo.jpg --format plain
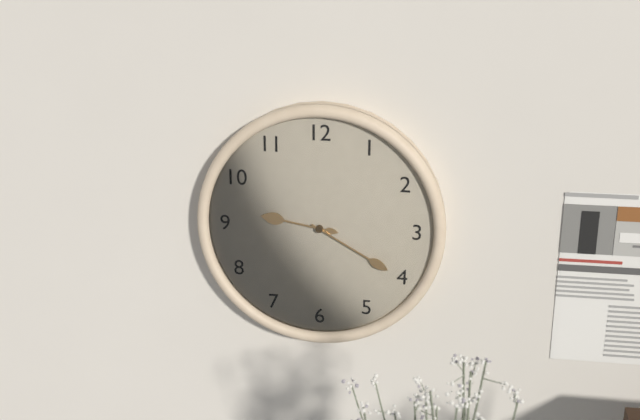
9:20
